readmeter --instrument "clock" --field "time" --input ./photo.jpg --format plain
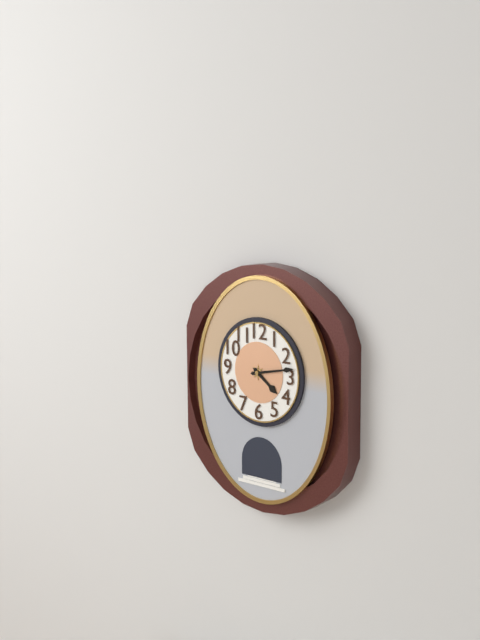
4:13
